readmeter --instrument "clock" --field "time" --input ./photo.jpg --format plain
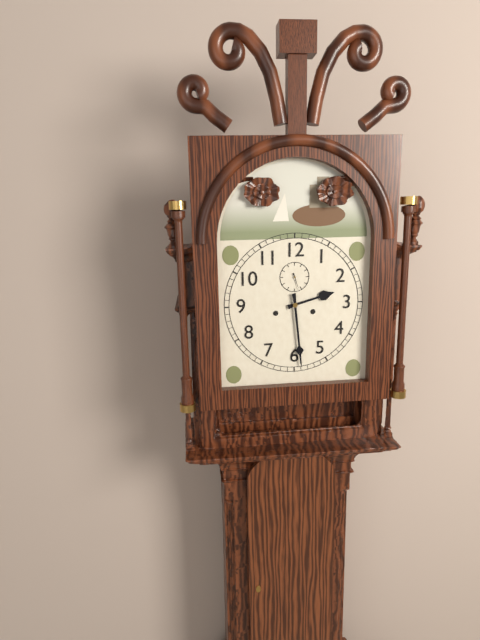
2:29
